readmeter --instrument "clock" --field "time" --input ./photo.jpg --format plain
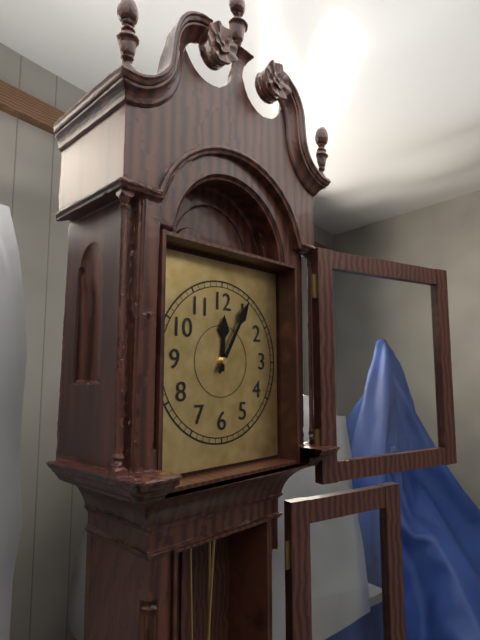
12:05
